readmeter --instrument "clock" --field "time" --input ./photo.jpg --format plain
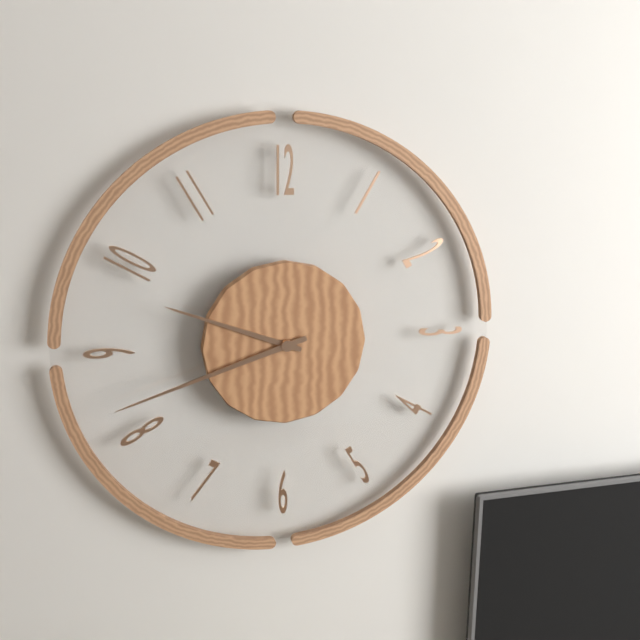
9:42
